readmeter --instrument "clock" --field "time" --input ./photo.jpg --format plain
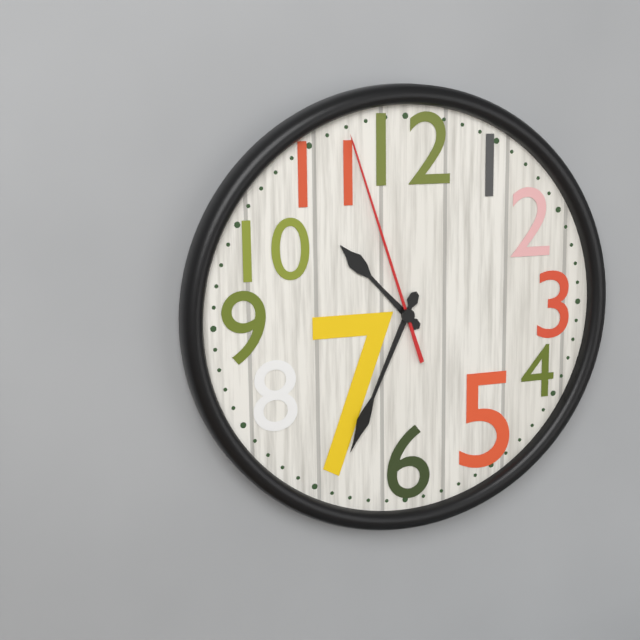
10:34:57
